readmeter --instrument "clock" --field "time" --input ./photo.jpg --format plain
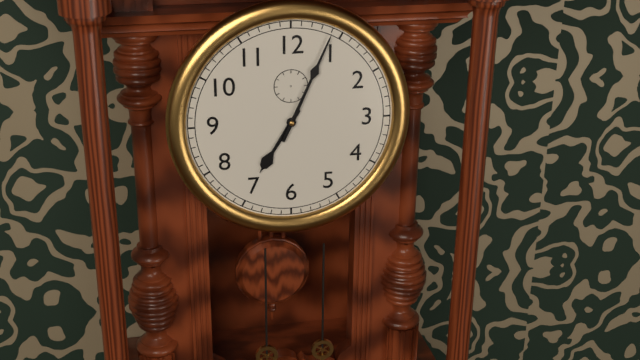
7:04
